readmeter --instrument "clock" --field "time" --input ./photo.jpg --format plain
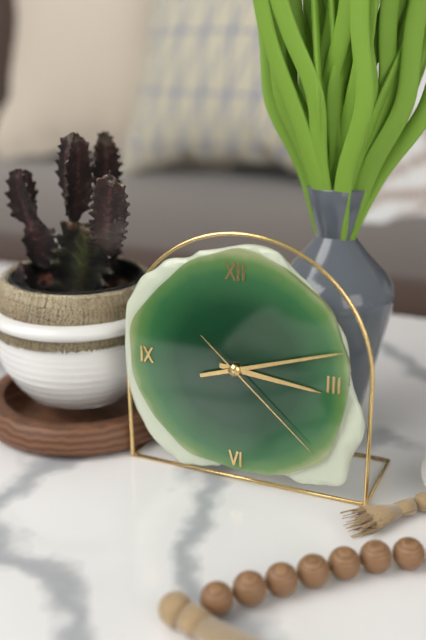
3:12:22
